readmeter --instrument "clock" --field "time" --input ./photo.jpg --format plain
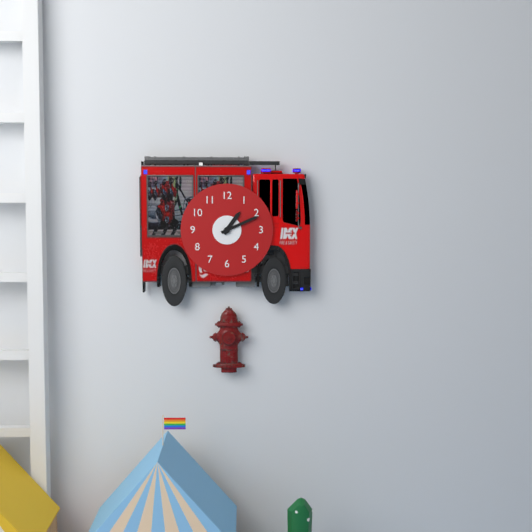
1:11
